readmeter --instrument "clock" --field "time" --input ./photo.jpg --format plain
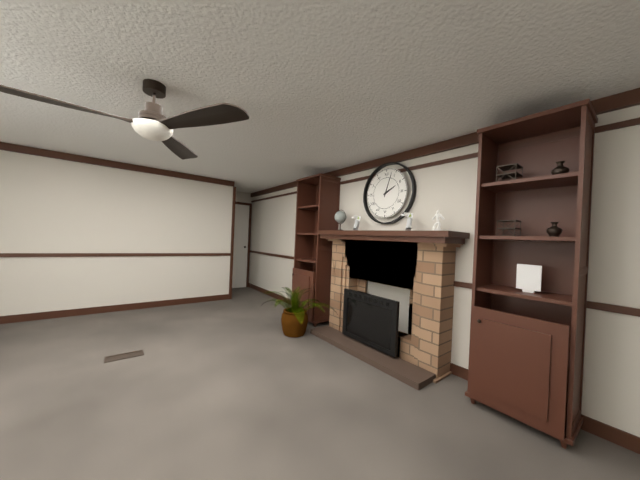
2:03
